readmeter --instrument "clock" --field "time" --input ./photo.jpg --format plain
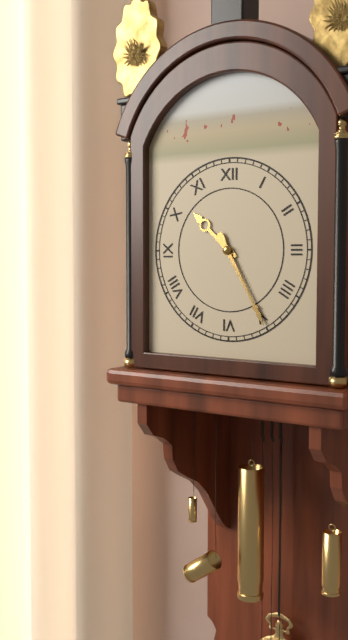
10:25
